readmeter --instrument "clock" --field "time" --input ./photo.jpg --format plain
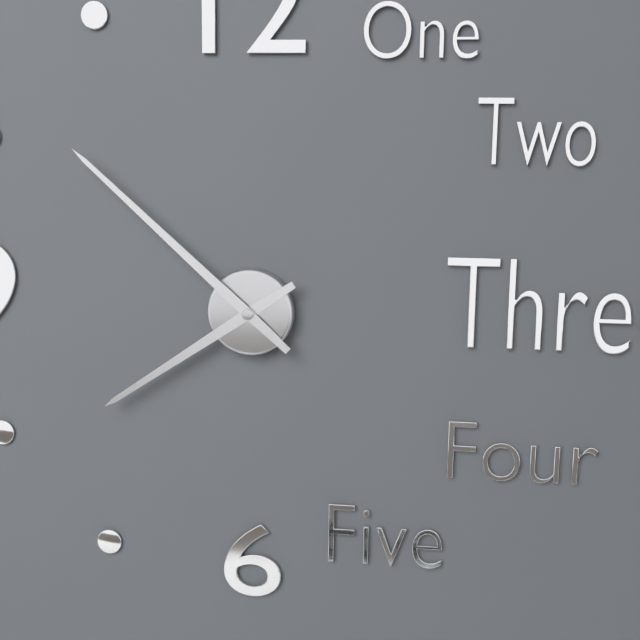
7:52
